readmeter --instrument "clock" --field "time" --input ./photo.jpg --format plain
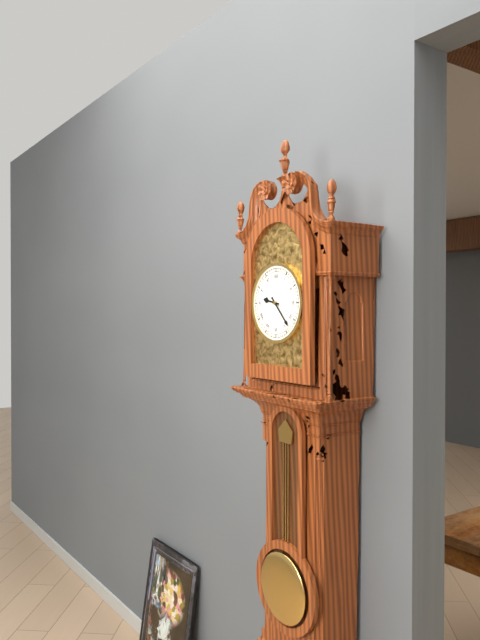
9:23
